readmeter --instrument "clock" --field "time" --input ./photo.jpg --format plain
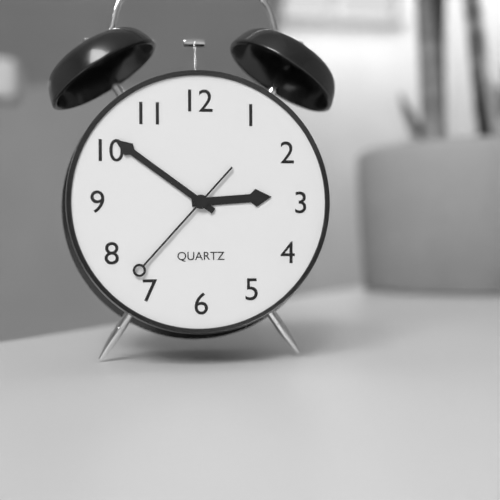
2:51:37
